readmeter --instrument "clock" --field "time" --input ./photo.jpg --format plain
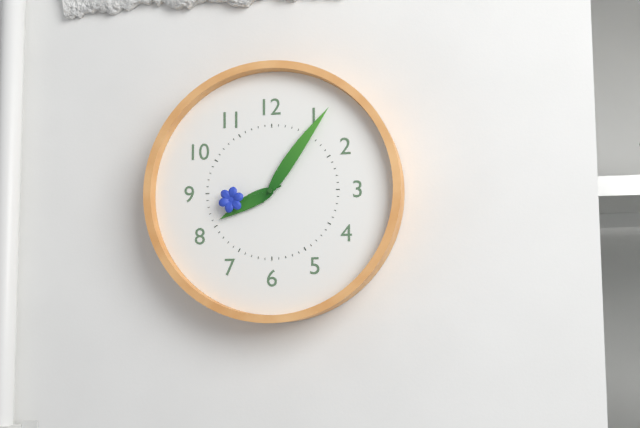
8:06:43
